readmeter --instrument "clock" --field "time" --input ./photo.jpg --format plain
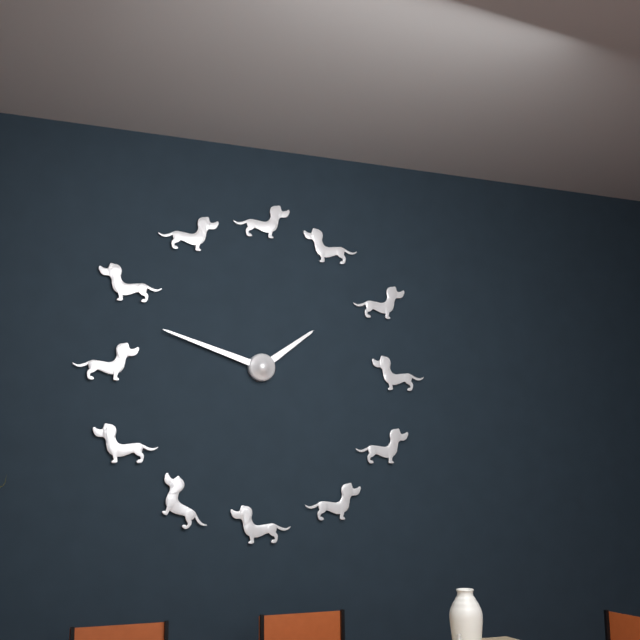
1:48
